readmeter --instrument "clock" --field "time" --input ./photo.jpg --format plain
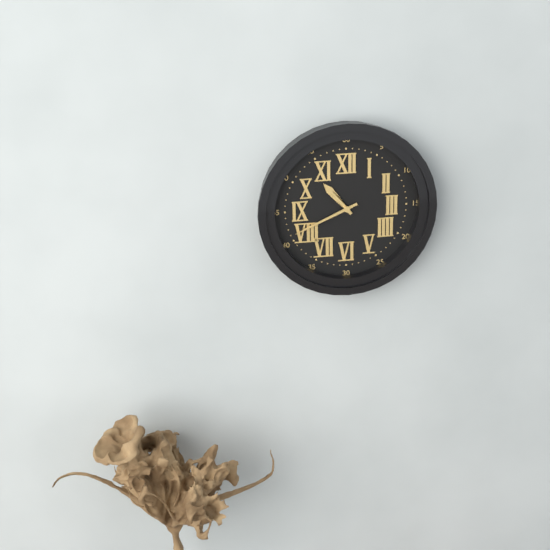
10:41
